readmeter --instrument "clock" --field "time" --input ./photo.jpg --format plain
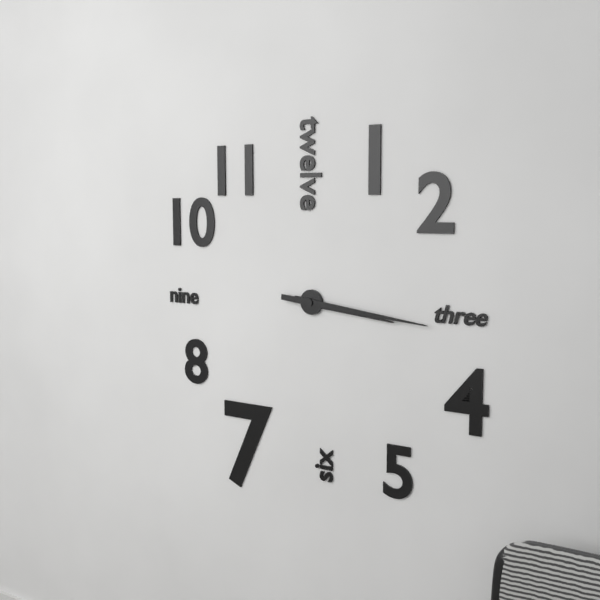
3:16
